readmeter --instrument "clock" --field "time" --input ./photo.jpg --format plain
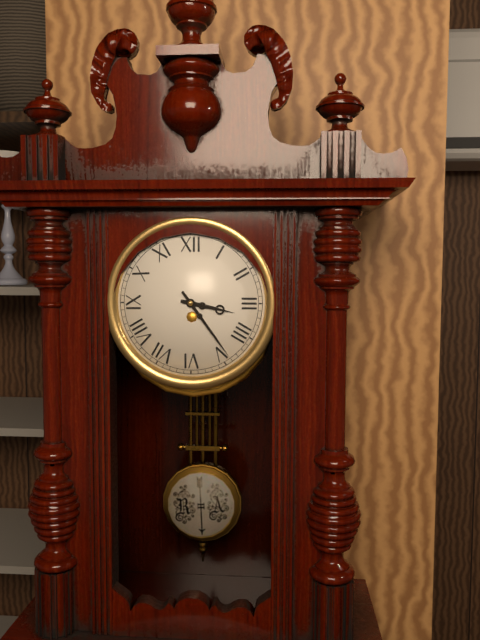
3:24
